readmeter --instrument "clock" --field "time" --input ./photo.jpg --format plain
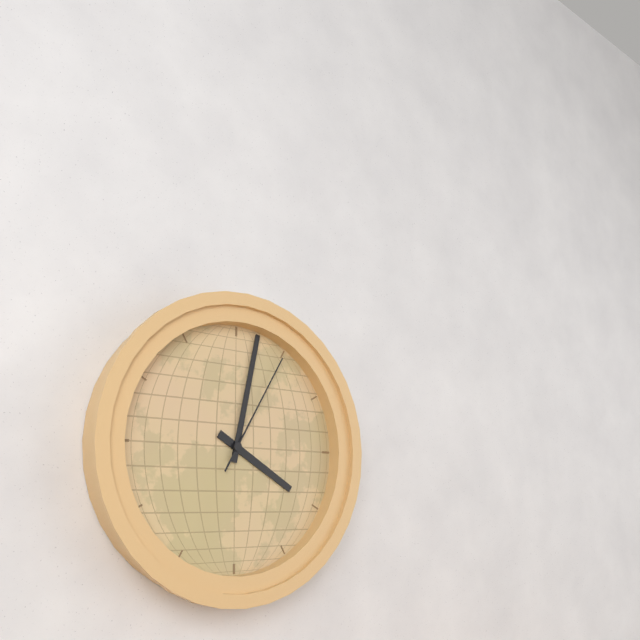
4:02:05
